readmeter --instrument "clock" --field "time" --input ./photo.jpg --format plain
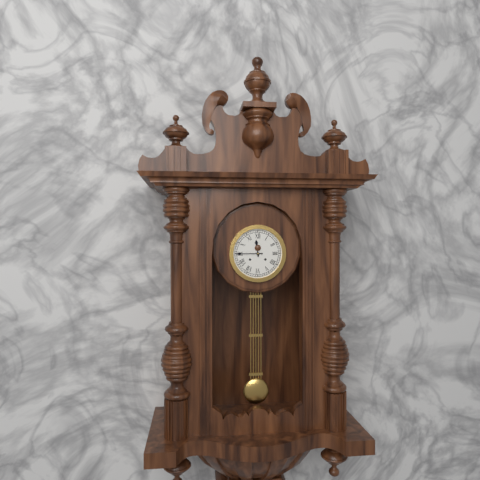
11:45
